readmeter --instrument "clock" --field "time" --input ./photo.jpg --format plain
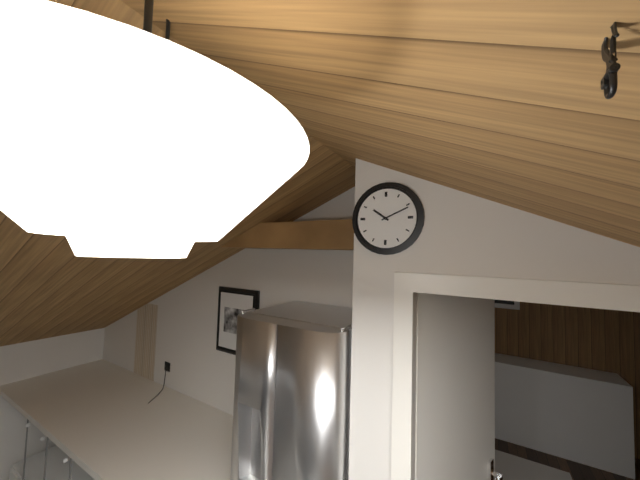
10:11
